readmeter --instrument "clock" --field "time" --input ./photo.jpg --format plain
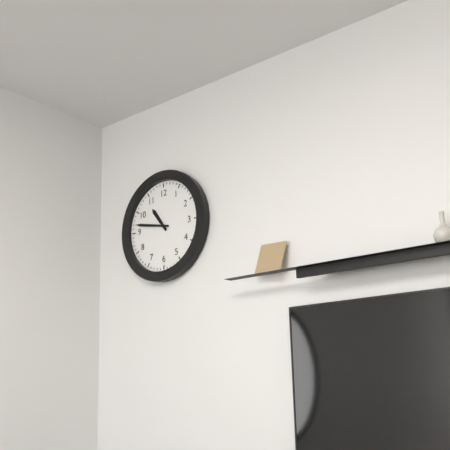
10:47
